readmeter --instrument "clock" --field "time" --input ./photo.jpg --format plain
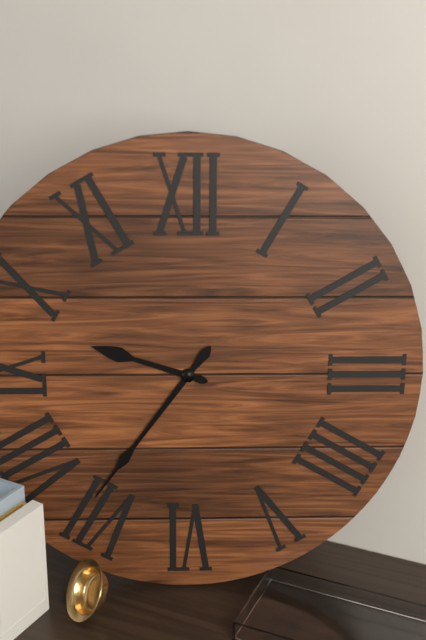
9:36
